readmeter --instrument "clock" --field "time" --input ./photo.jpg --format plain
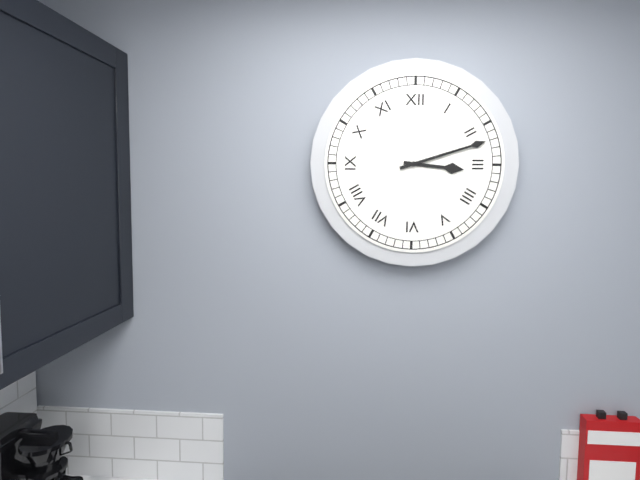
3:12
